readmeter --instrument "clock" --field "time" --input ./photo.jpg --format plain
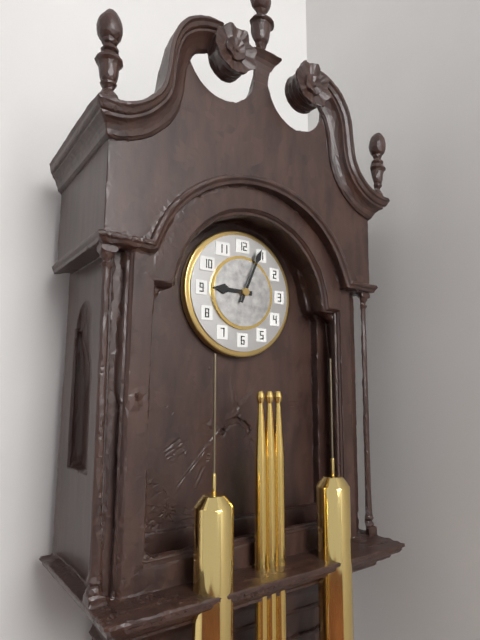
9:04
